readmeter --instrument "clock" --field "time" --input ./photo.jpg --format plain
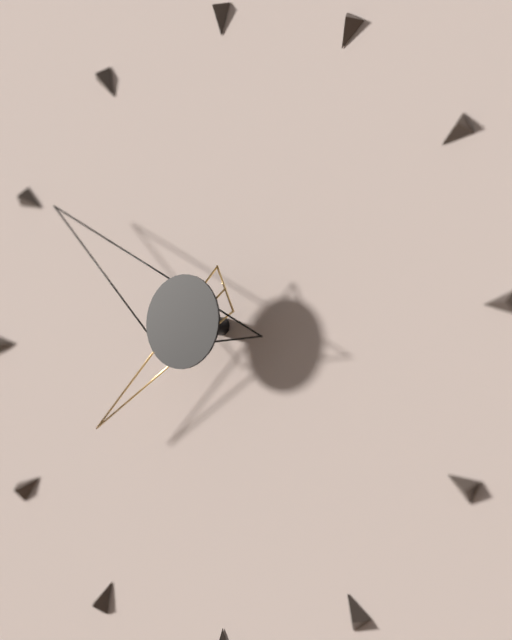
7:51
